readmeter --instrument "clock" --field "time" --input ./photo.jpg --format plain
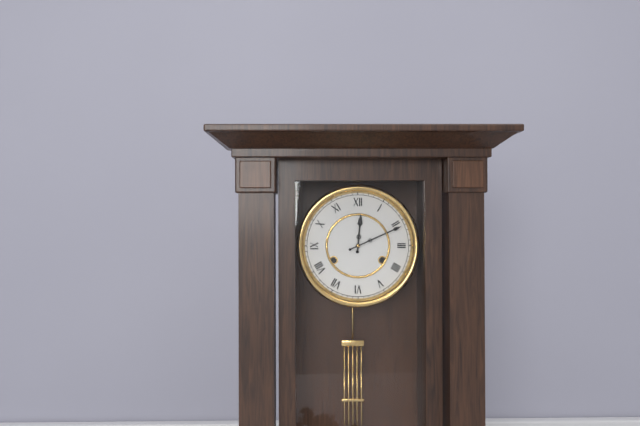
12:11
